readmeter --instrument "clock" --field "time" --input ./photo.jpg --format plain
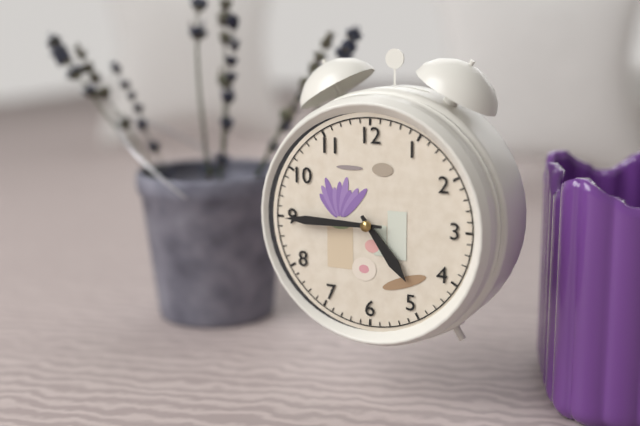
4:45
